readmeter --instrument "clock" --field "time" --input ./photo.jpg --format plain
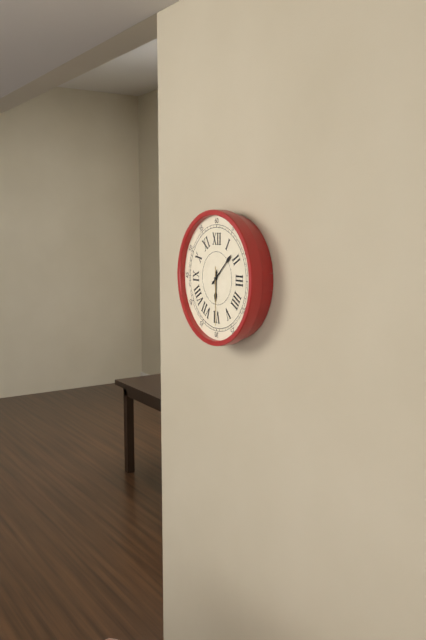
6:08:30
